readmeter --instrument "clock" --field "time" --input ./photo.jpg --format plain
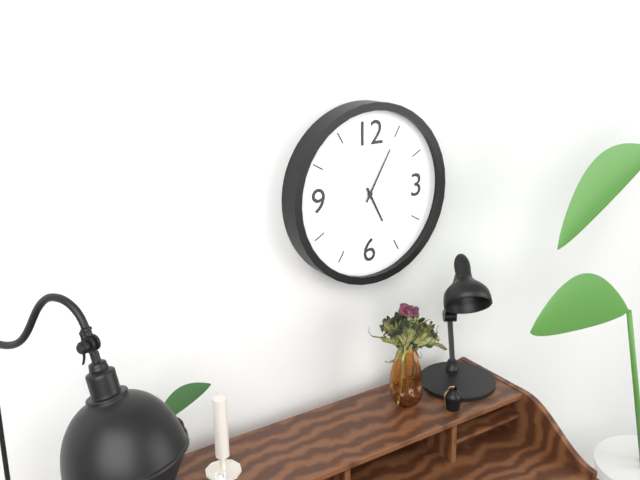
5:05
